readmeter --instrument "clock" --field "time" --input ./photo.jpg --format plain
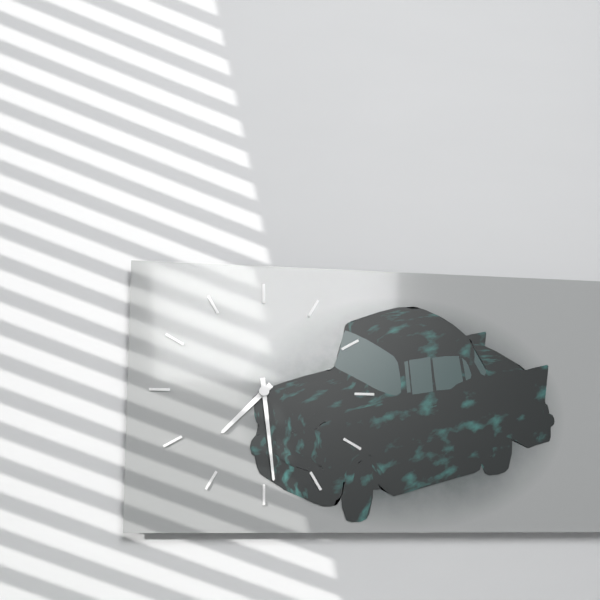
7:29
